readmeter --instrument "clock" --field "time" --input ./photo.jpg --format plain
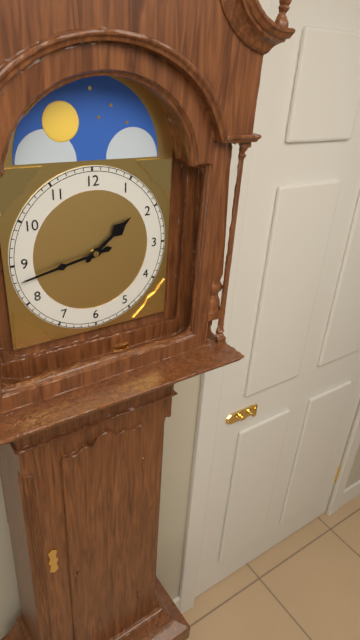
1:43
